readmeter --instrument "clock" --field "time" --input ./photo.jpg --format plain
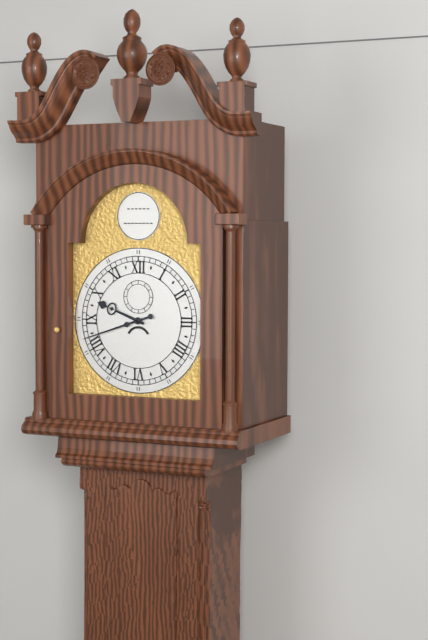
9:42
